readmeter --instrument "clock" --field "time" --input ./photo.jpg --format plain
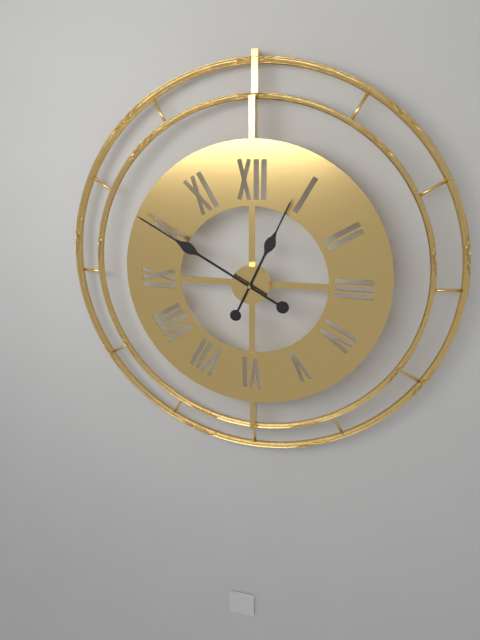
12:50
